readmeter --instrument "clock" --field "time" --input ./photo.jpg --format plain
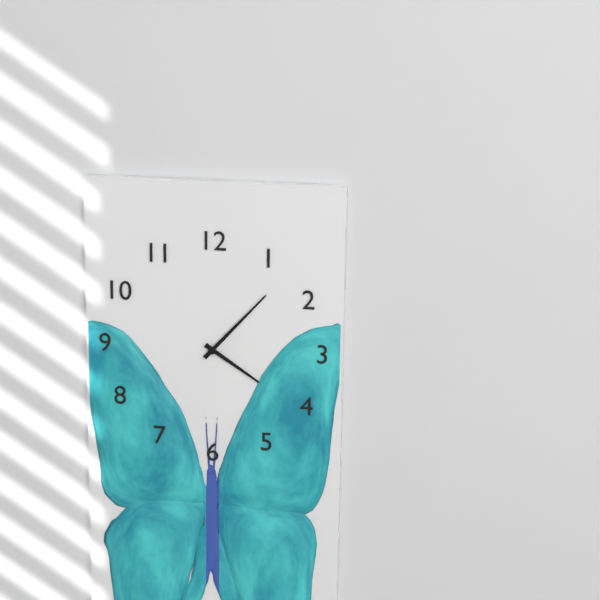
4:07
